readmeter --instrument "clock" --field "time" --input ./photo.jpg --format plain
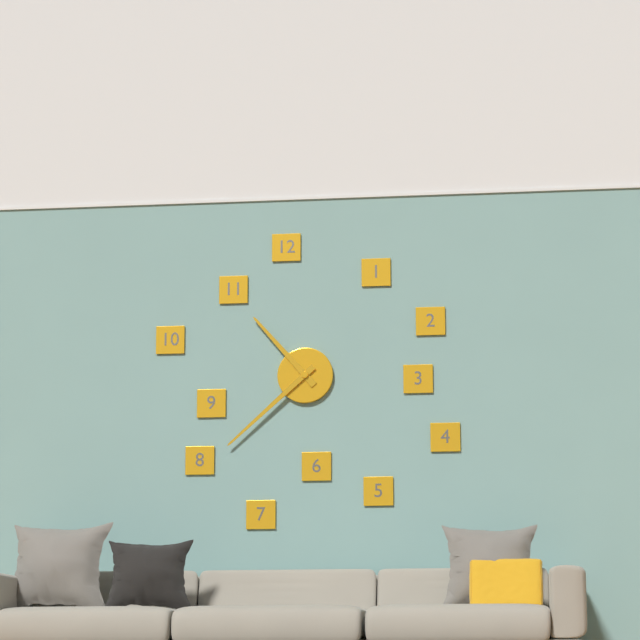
10:38
